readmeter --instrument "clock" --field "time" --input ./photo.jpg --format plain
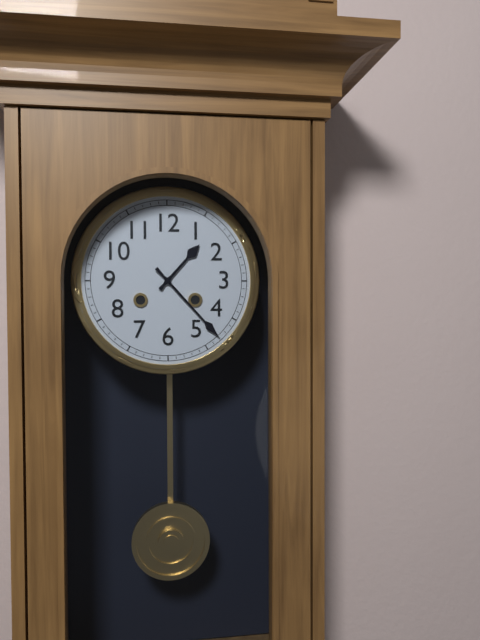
1:23
